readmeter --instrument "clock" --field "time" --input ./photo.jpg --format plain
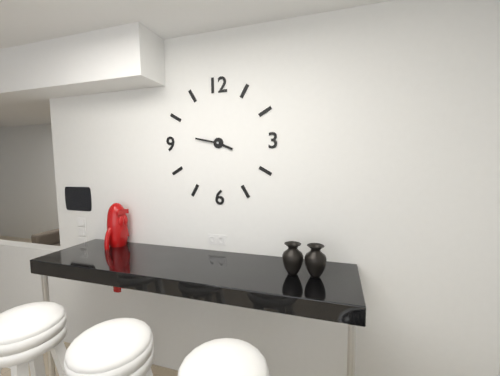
3:47
